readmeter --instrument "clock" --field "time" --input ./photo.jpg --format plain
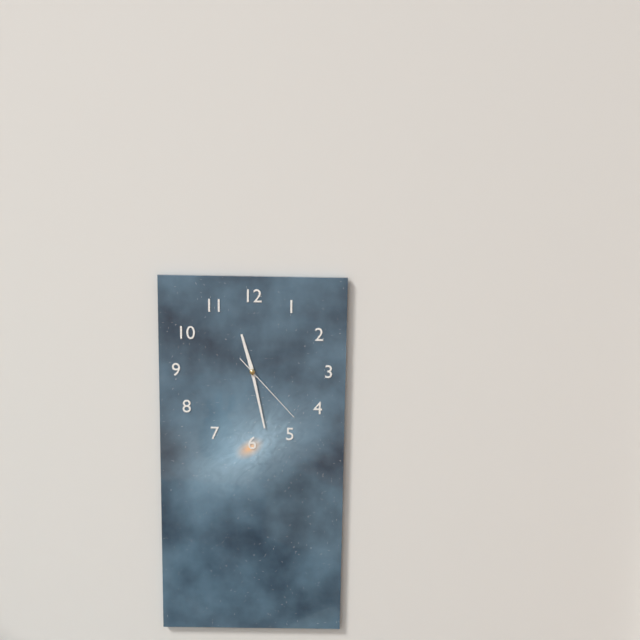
11:28:23
